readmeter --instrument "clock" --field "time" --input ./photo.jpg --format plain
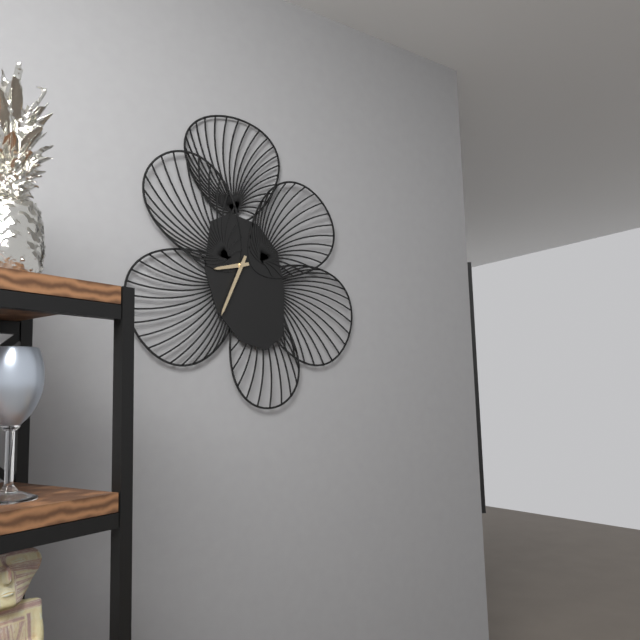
8:34
